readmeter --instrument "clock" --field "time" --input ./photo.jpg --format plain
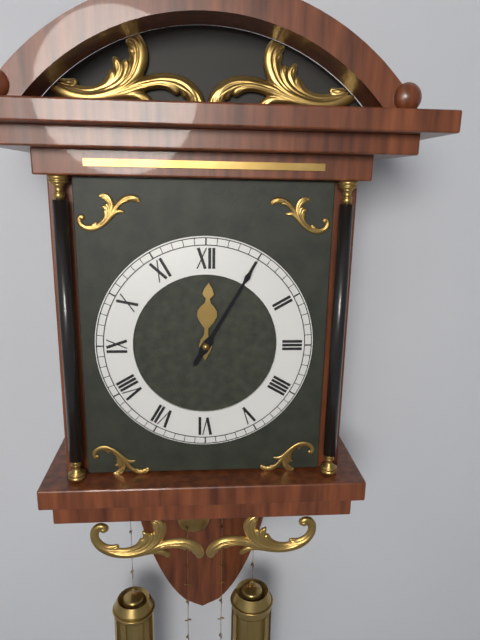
12:05
